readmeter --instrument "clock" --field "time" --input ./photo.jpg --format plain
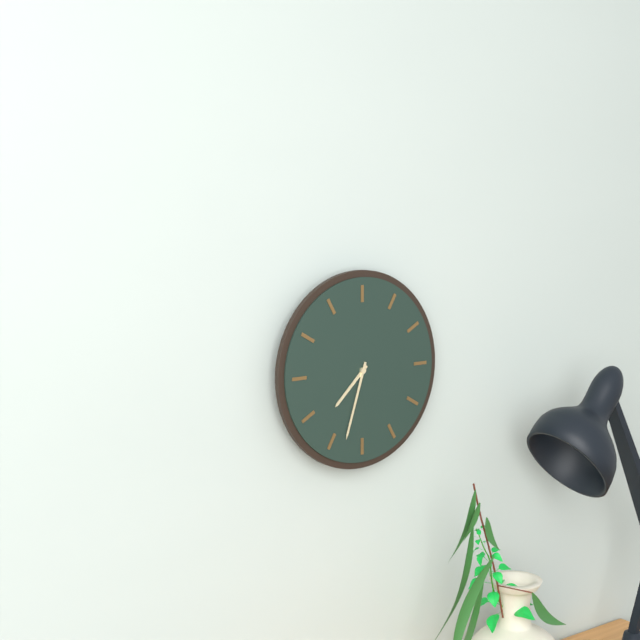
7:33
